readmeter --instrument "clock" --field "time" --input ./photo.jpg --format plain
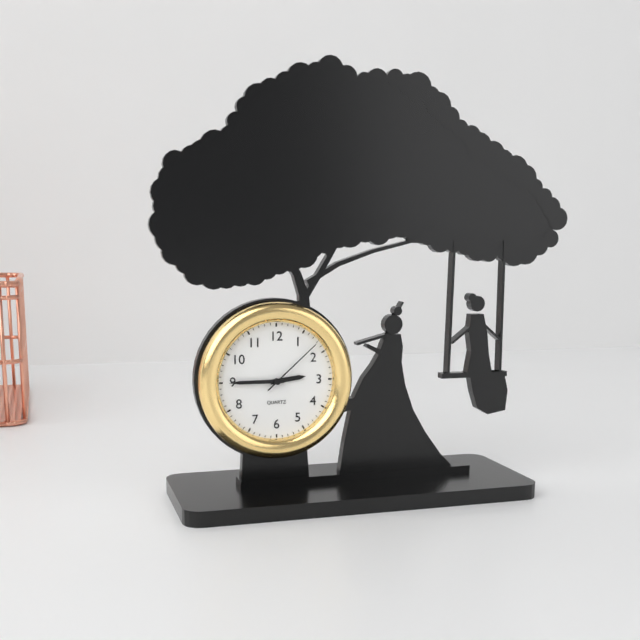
2:45:08
